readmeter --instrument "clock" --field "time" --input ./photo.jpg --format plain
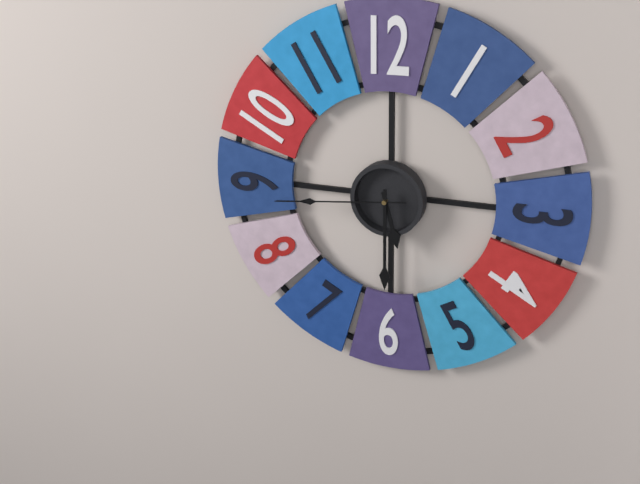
5:30:44
